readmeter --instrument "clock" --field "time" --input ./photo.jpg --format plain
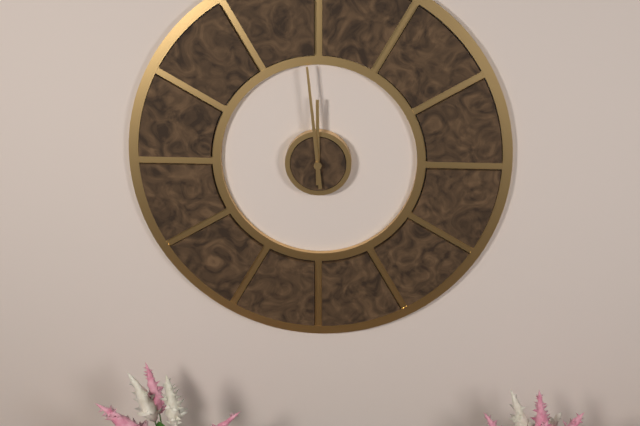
11:59
